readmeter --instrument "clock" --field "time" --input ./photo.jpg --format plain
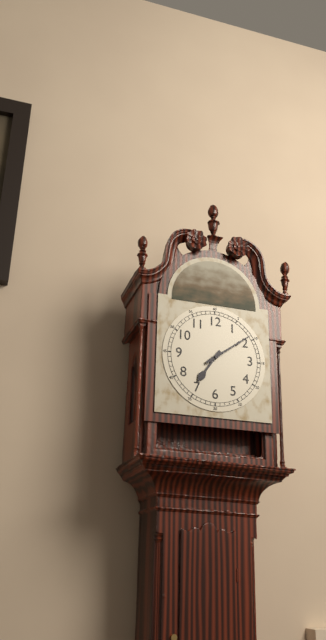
7:09
